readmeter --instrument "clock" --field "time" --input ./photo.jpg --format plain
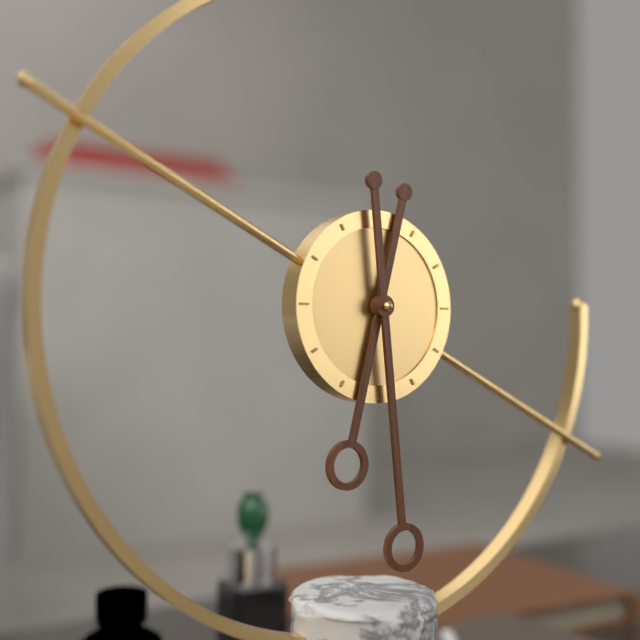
6:29
